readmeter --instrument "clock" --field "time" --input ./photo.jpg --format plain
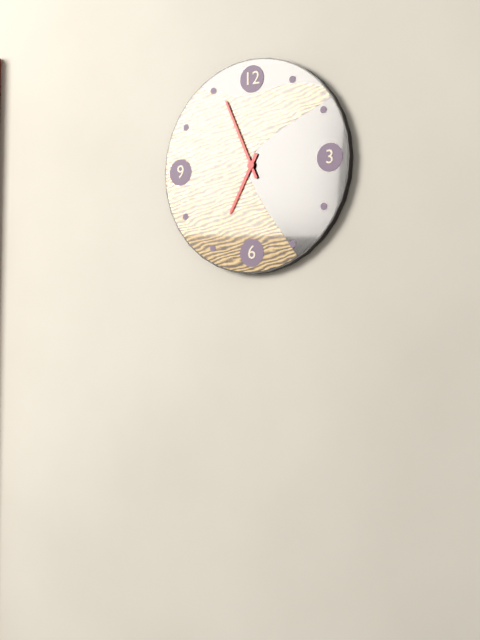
6:56
